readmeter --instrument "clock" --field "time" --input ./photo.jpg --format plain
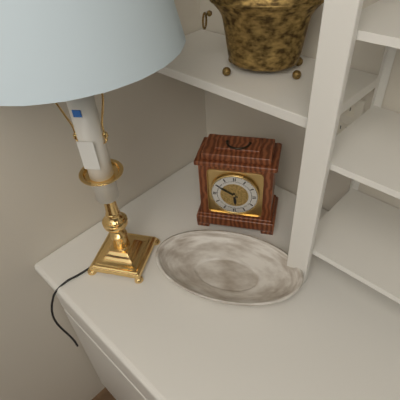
5:50
